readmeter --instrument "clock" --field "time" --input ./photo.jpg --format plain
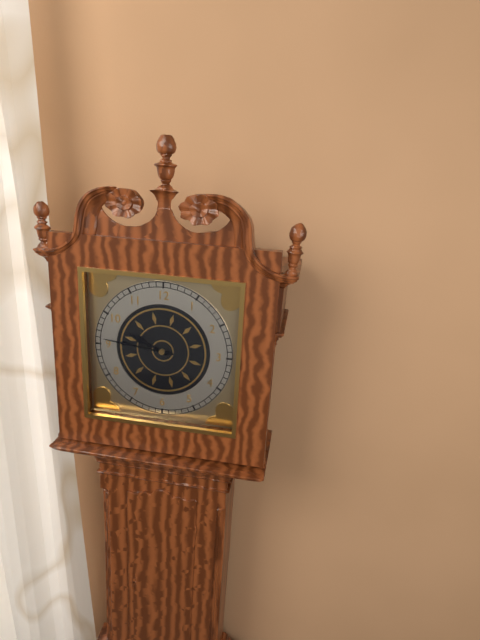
9:46
